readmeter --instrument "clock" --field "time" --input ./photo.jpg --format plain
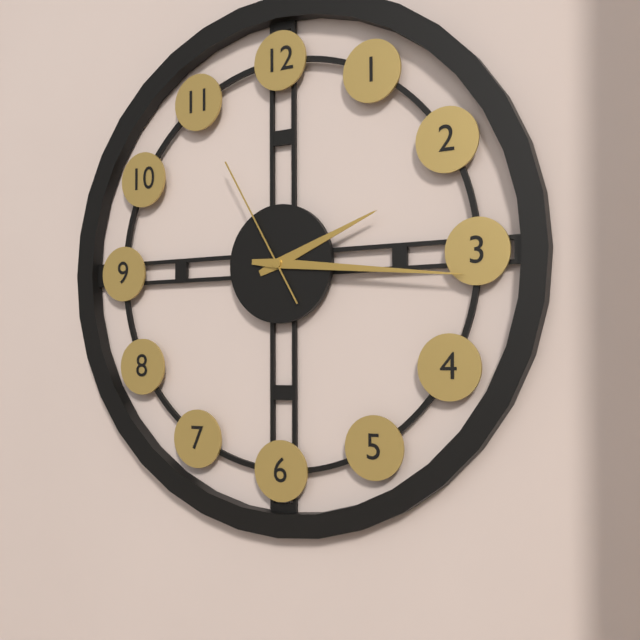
2:16:55
